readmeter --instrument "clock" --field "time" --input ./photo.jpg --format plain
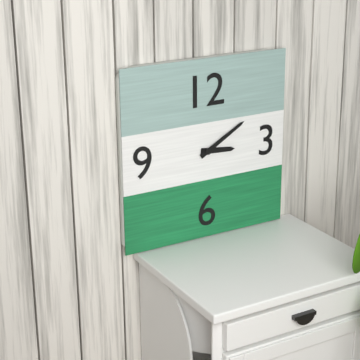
3:10
